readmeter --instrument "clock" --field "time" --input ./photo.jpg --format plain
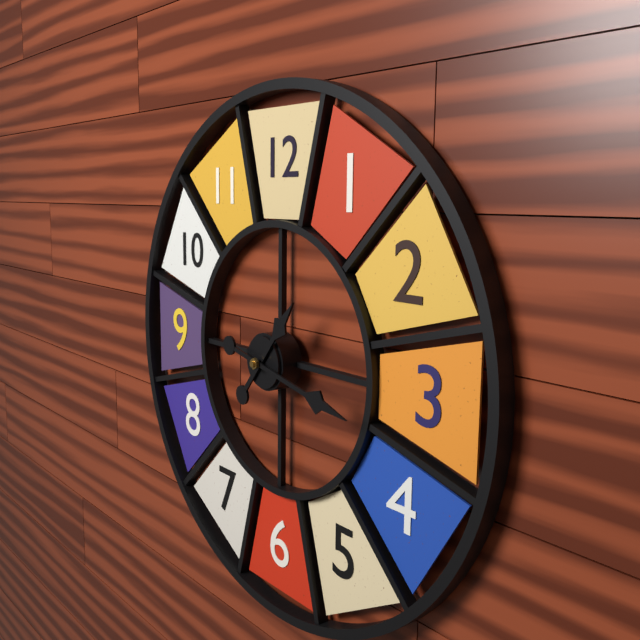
1:17
